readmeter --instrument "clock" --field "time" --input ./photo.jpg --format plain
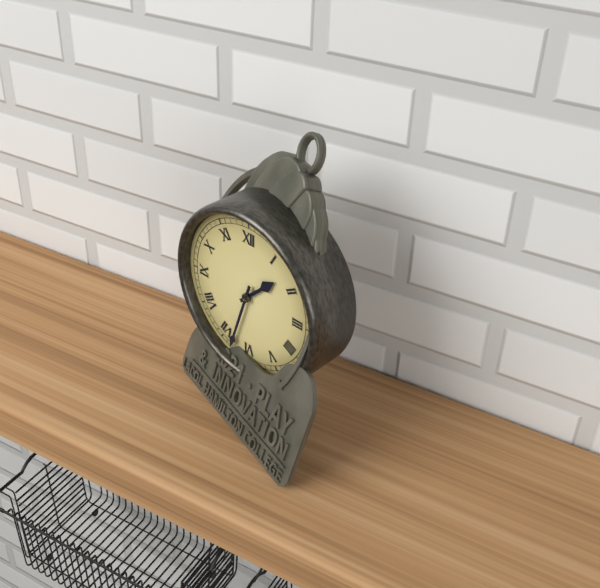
1:33
